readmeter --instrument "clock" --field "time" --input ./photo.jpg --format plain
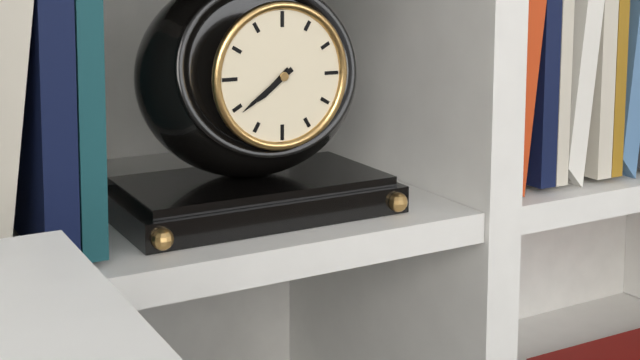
7:39
